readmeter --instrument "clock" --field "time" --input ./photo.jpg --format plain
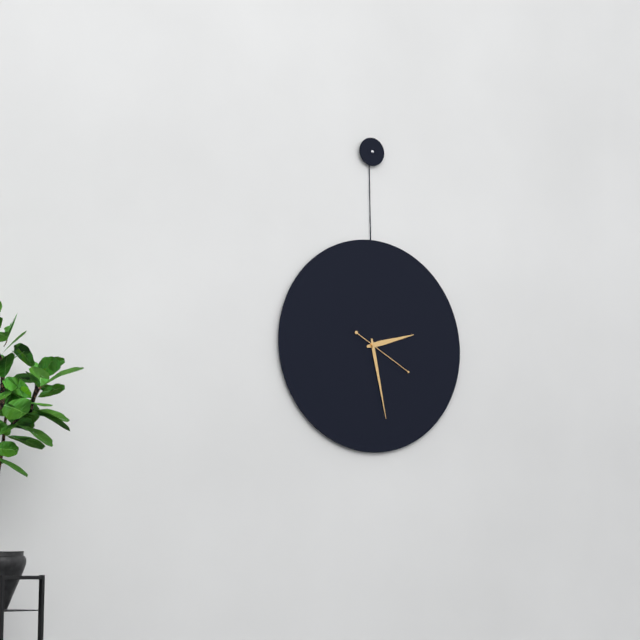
2:28:20
